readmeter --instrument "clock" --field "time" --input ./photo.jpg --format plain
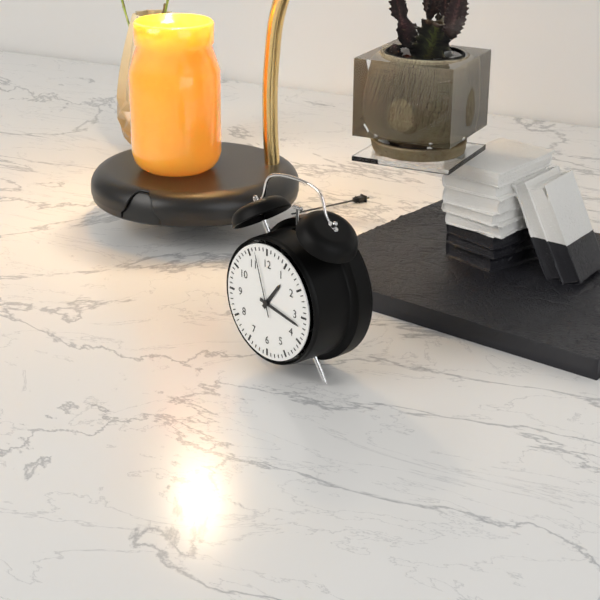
1:17:57
